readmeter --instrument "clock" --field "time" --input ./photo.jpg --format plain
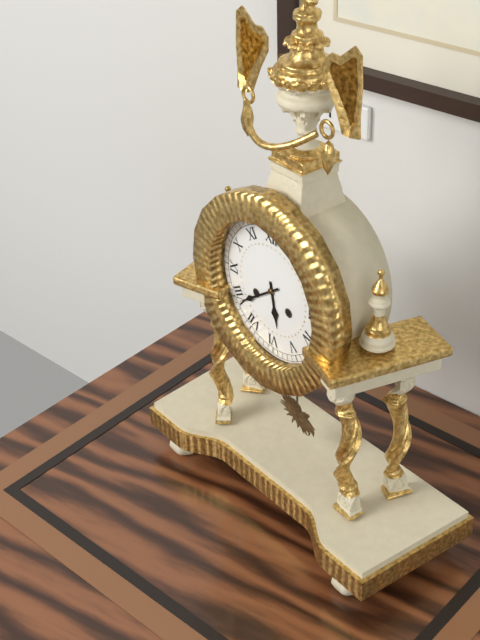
5:39
